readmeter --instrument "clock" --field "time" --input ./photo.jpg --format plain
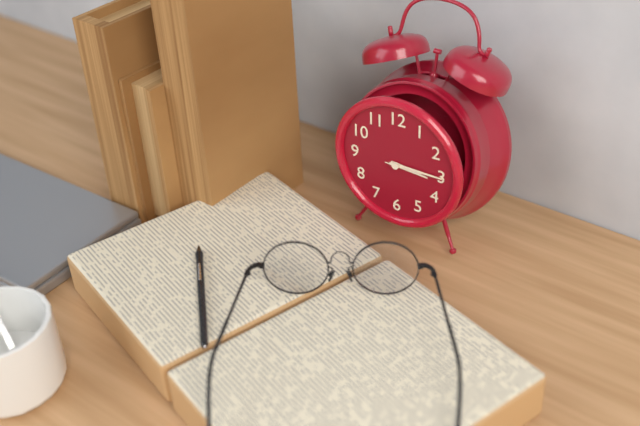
3:15:15
